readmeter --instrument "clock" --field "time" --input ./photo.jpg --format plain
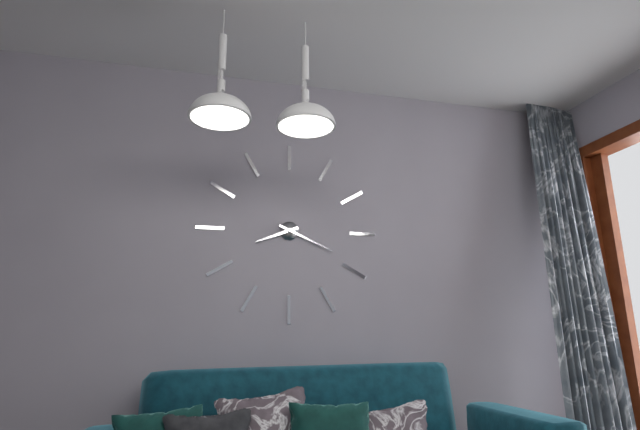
8:19
